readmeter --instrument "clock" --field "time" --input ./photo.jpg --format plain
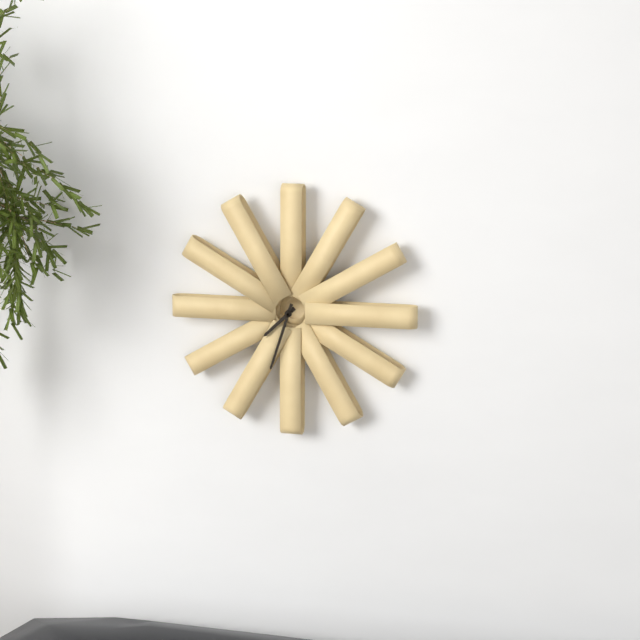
7:33
